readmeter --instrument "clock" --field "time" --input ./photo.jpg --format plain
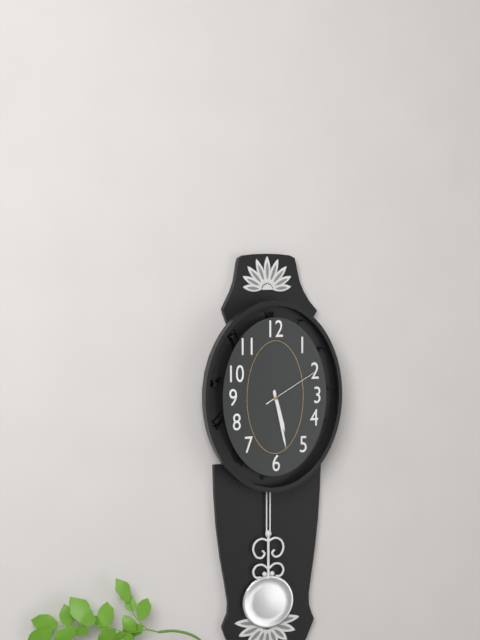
5:28:10
